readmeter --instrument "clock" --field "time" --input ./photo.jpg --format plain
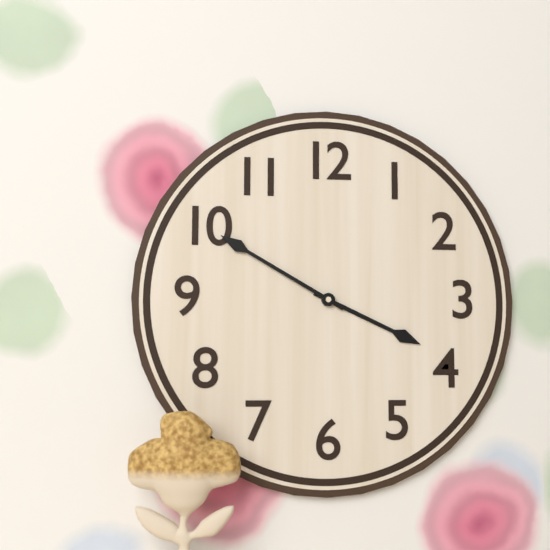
3:50
